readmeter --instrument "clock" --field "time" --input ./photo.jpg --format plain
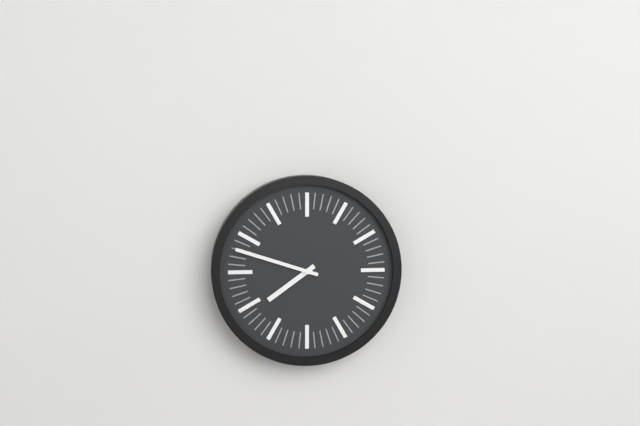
7:48
